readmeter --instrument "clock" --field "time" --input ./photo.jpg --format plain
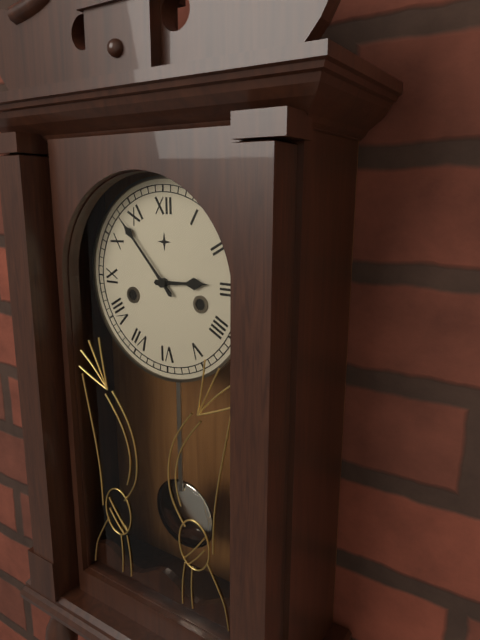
2:53
